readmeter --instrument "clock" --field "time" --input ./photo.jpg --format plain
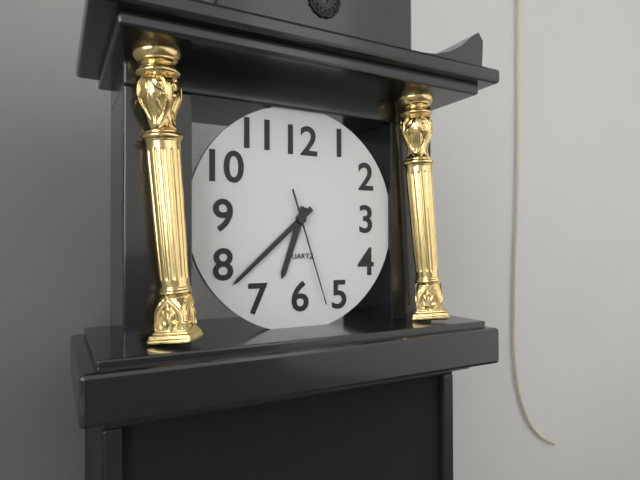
6:38:27
